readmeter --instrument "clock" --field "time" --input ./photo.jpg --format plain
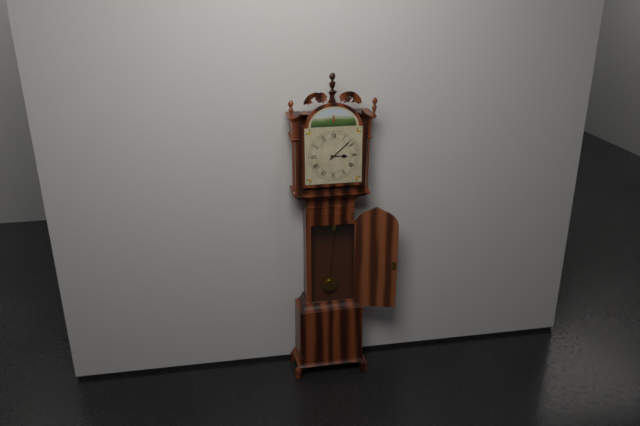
3:08
